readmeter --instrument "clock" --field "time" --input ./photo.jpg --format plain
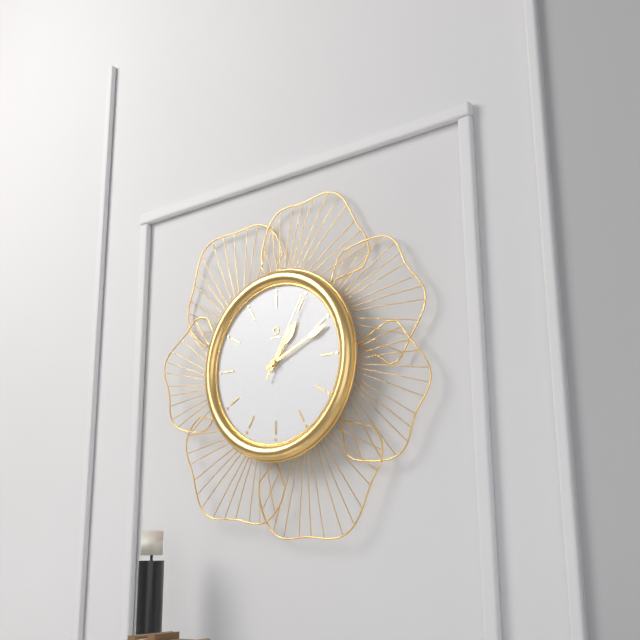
1:11:05
